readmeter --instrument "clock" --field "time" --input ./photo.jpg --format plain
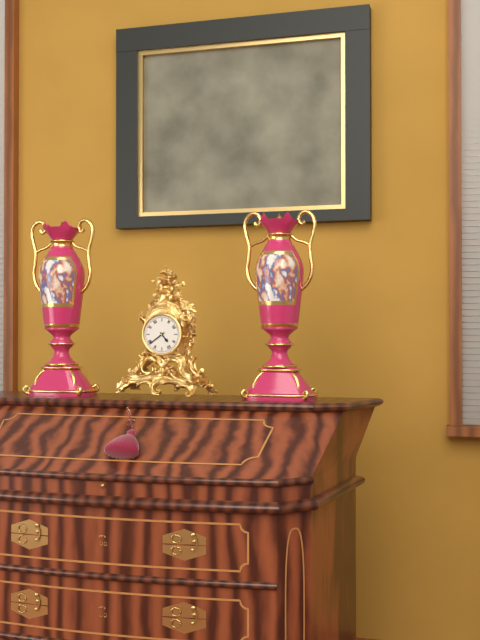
4:39
